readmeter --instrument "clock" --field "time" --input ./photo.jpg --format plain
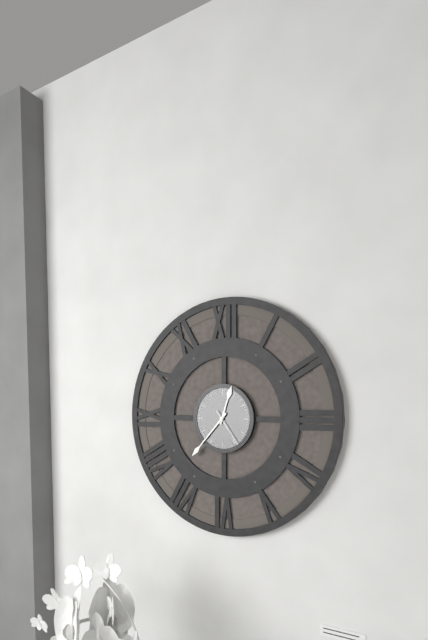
12:37
